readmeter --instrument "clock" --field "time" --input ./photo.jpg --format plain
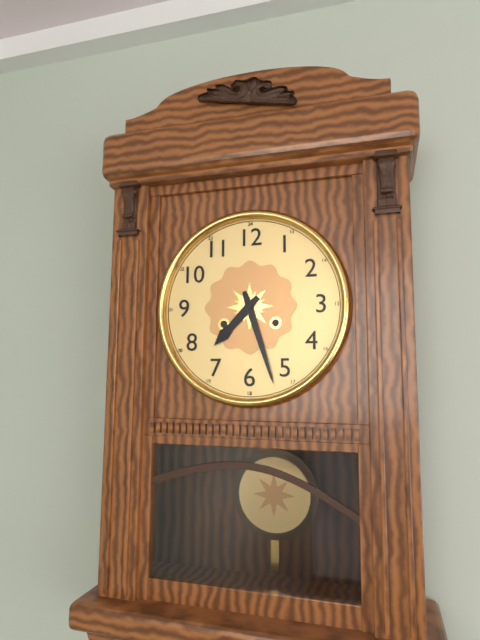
7:27
